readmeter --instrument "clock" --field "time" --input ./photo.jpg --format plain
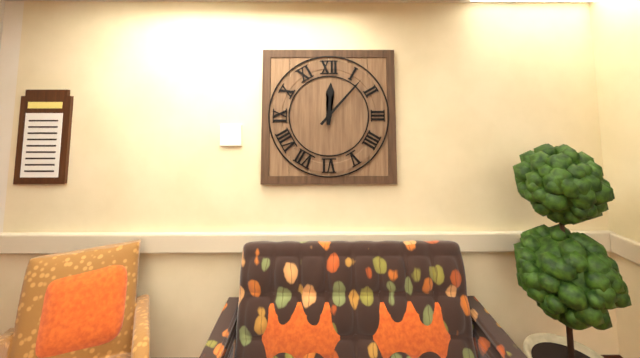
12:07
